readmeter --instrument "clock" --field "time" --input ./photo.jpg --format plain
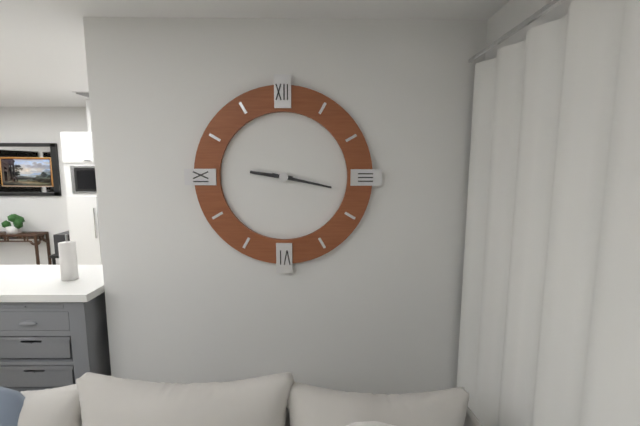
9:17
